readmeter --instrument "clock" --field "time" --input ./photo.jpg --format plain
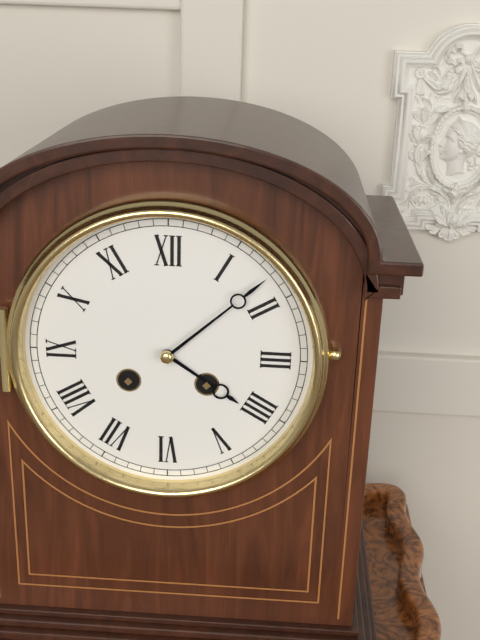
4:08
